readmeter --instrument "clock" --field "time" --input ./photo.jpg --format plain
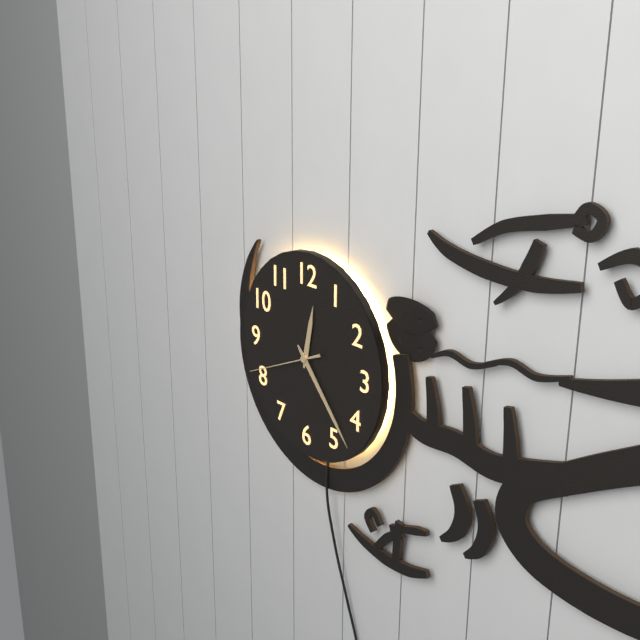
12:23:41
